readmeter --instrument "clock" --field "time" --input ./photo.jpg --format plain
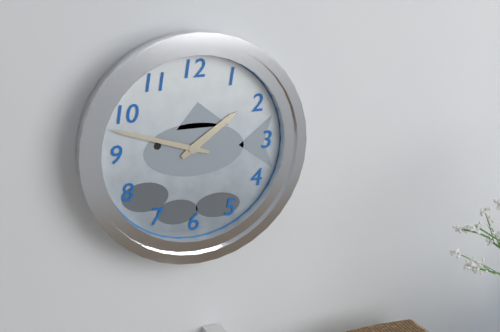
1:48
